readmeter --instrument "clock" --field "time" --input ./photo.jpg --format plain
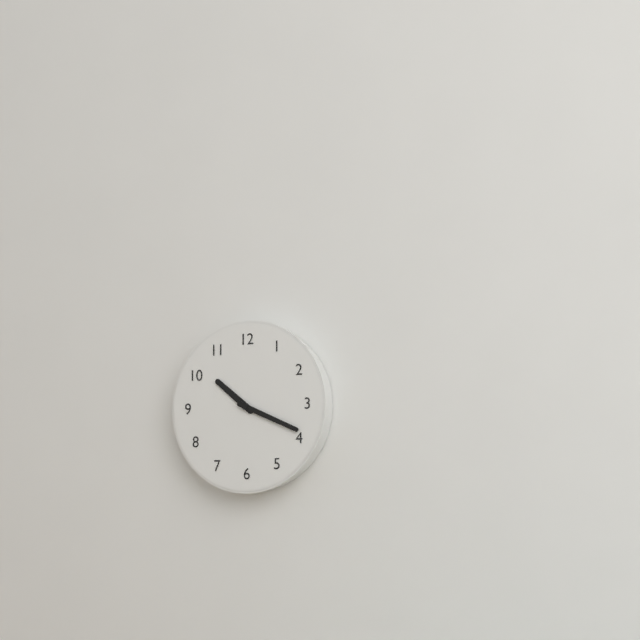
10:19
